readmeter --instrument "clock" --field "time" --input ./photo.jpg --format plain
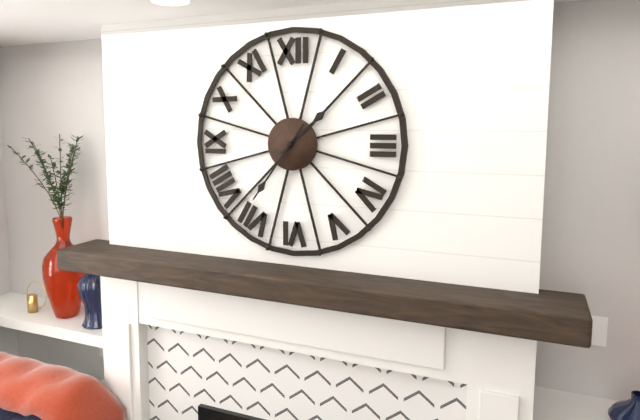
1:36
